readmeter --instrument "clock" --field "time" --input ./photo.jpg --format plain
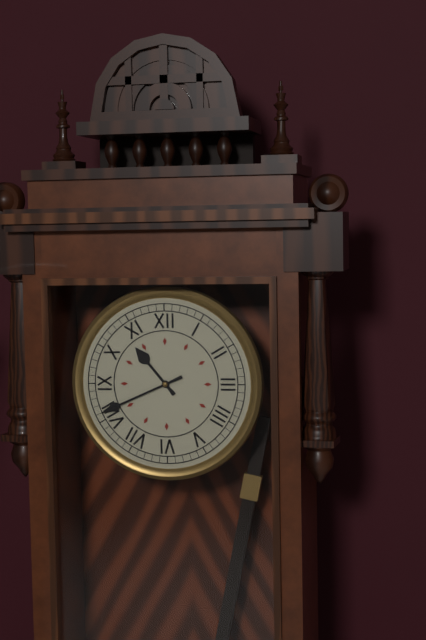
10:41
